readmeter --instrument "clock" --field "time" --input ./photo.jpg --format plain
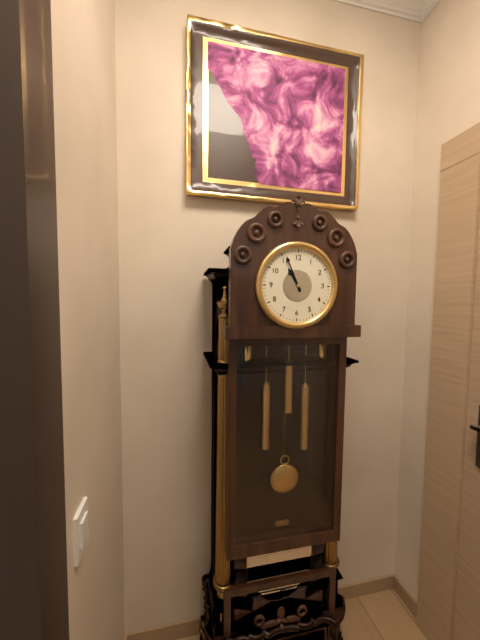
10:56
